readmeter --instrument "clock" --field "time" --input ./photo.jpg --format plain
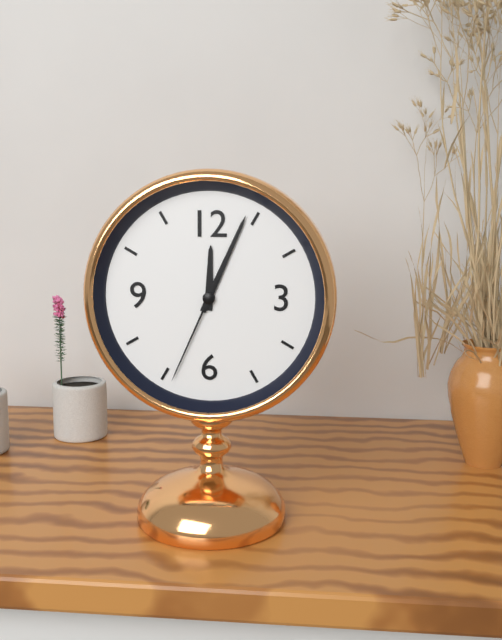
12:04:34
